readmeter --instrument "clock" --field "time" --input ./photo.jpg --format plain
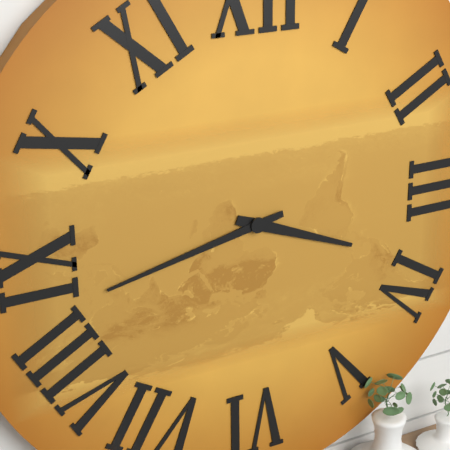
3:43
